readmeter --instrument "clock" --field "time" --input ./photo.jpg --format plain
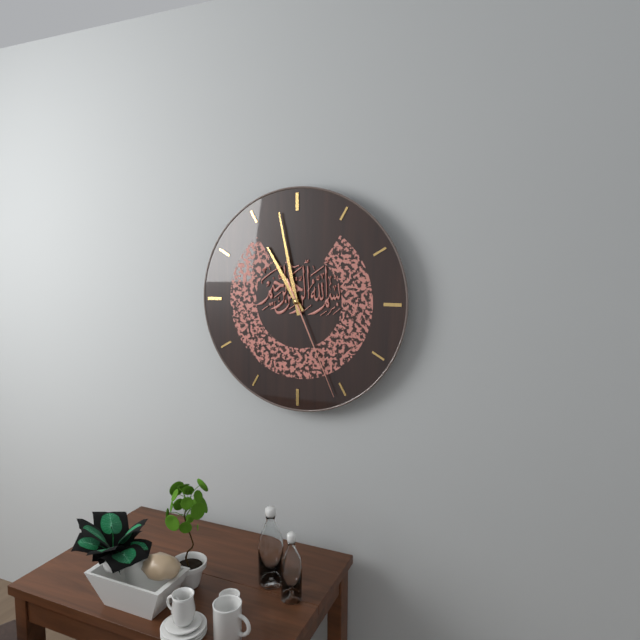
10:58:26
